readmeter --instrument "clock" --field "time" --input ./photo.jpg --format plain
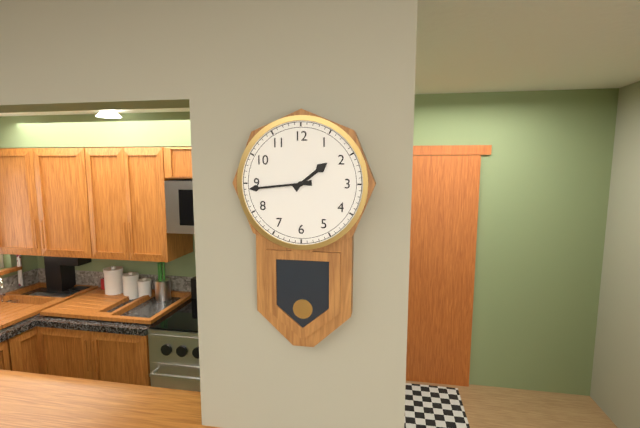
1:44
